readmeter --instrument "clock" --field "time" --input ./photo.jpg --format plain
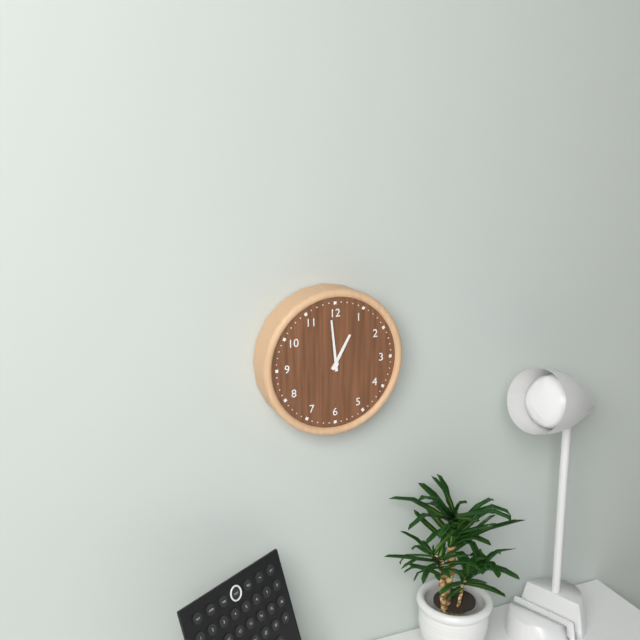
12:59
